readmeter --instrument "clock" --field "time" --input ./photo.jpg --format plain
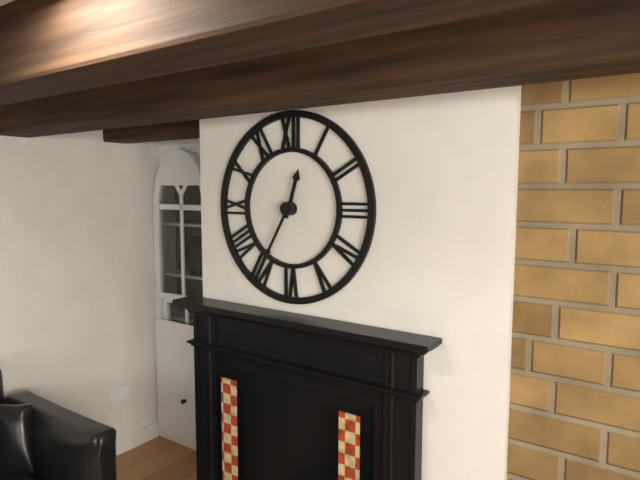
12:35
